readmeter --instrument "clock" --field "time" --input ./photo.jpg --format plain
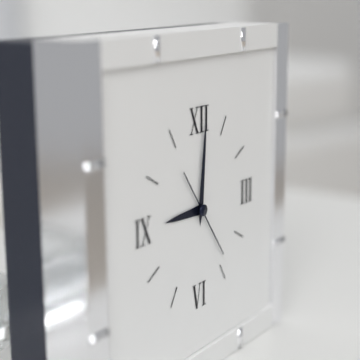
9:01:24
